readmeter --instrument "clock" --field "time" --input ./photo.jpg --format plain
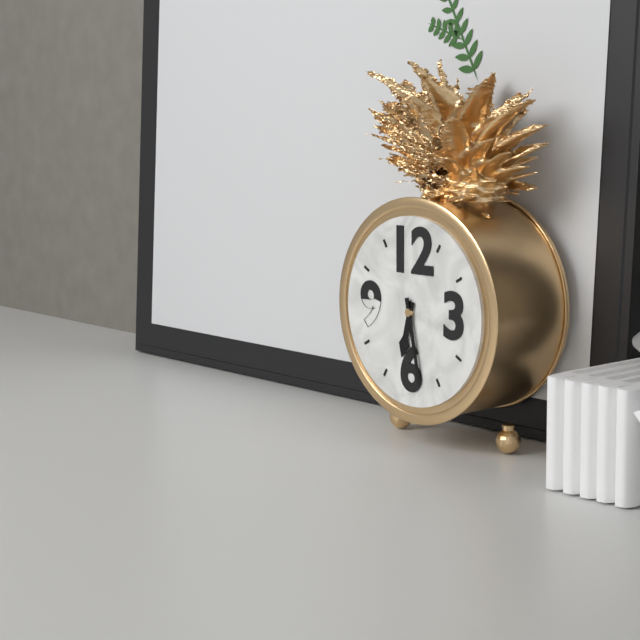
6:28
